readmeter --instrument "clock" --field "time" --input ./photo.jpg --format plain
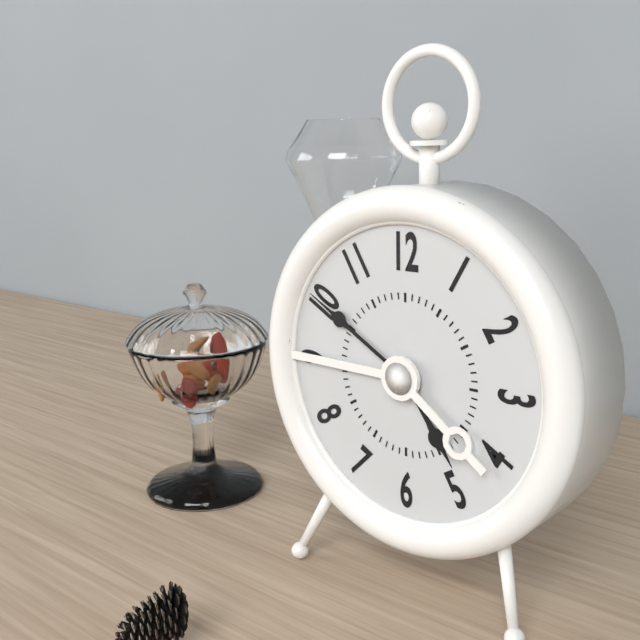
4:50
